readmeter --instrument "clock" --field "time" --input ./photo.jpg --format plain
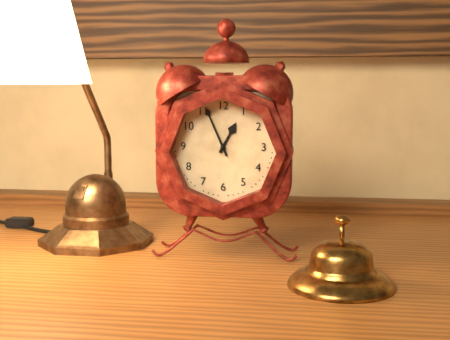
12:56
